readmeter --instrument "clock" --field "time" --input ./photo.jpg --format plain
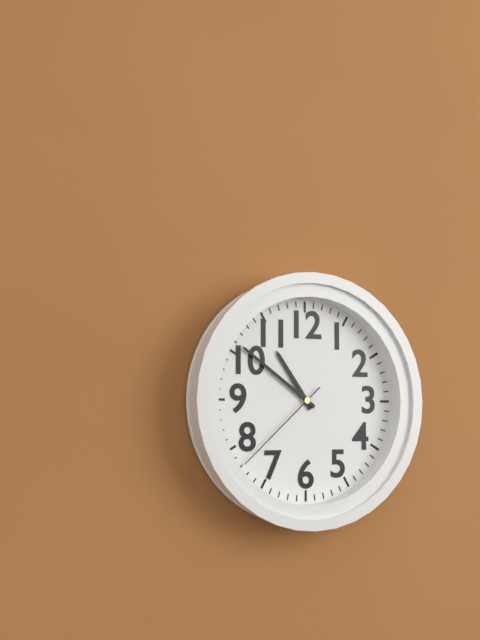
10:51:38
